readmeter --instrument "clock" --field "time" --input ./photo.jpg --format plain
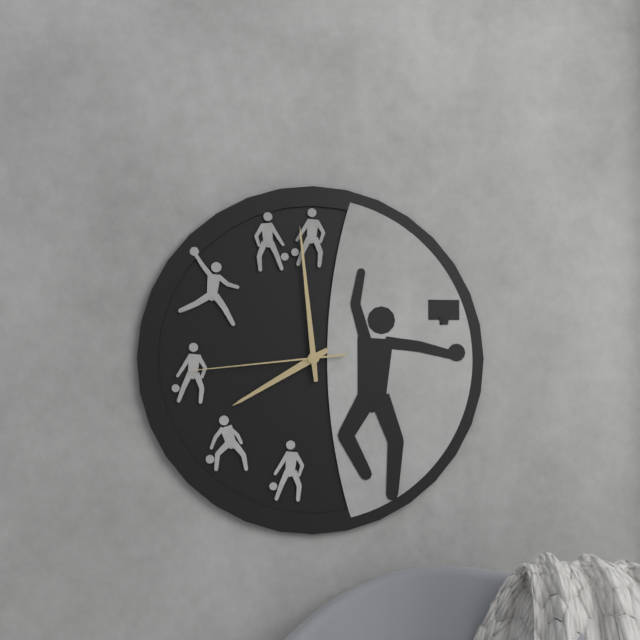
7:59:44
